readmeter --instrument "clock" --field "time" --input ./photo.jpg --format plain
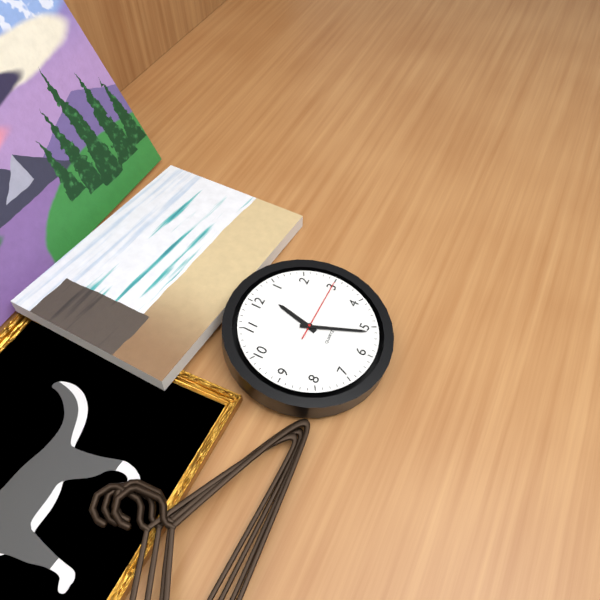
12:26:15
